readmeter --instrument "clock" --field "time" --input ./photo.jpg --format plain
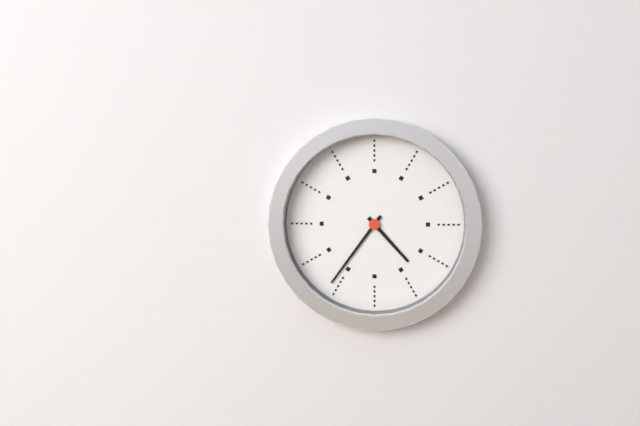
4:36
